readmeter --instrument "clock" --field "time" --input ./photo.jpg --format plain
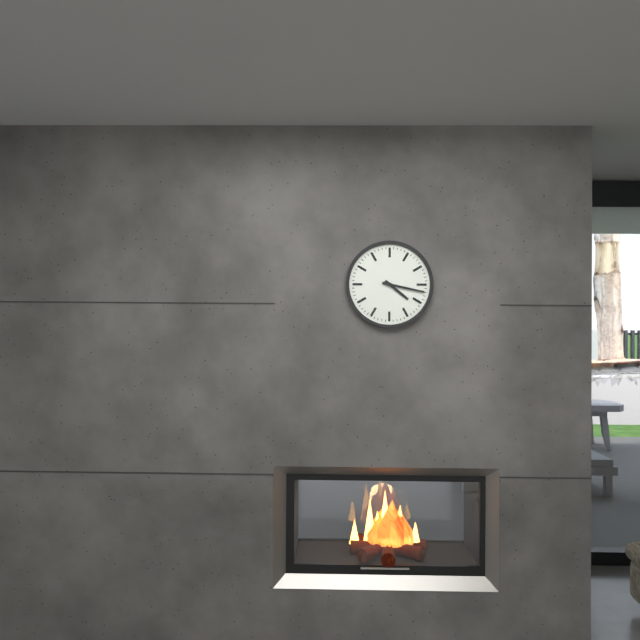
4:17
